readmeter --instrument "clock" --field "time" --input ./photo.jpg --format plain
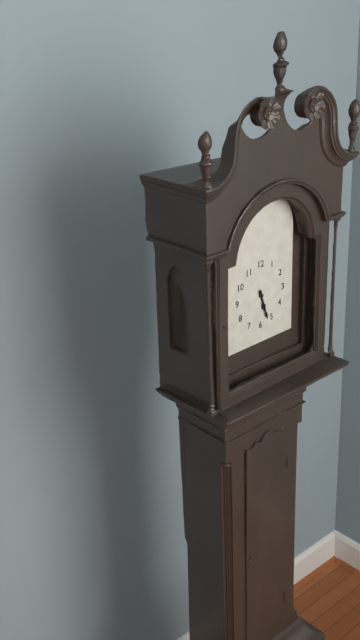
5:27
